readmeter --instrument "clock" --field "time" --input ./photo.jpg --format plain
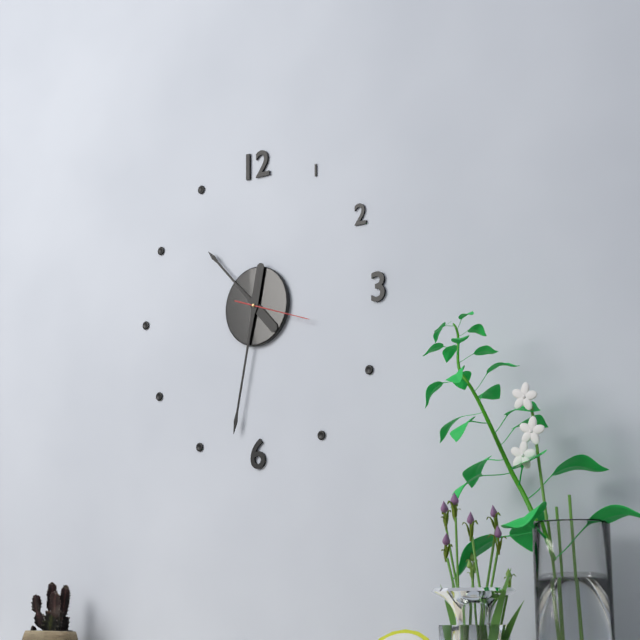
10:32:18
